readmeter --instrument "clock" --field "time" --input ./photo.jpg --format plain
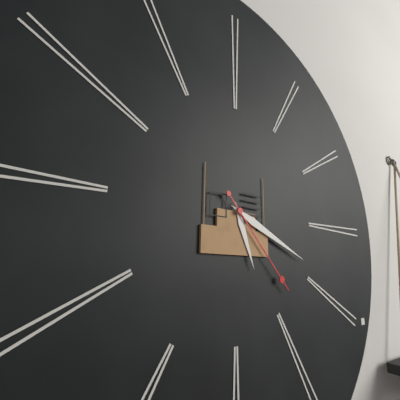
5:19:23
